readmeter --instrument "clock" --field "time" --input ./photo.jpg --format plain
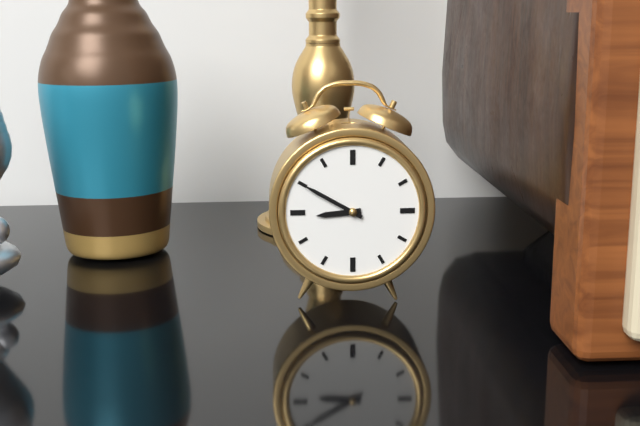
8:50
